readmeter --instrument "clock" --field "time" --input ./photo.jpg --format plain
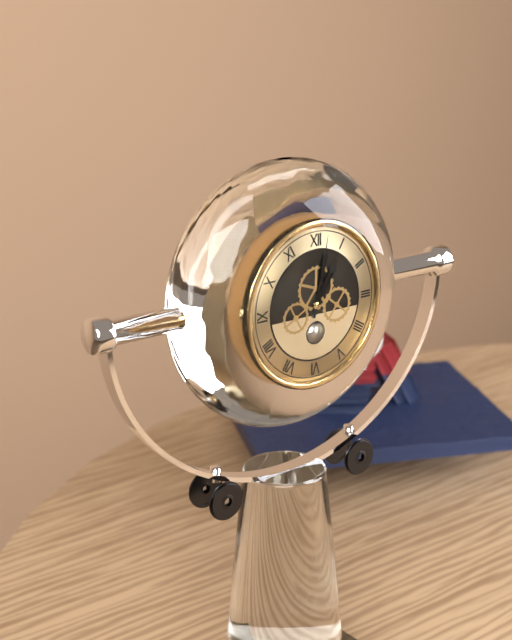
1:02
